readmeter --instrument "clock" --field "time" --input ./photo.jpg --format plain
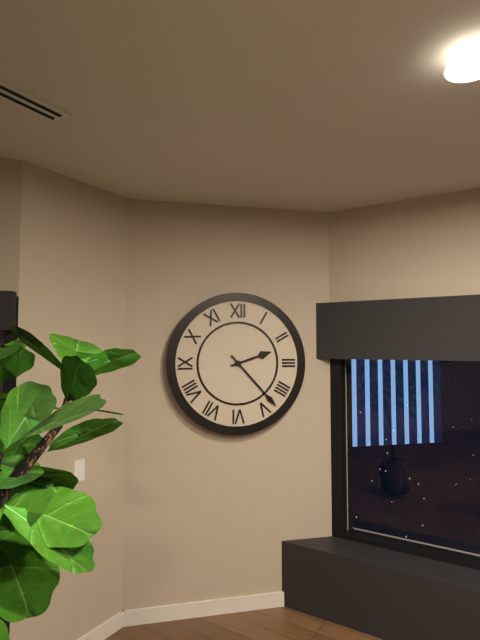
2:23
